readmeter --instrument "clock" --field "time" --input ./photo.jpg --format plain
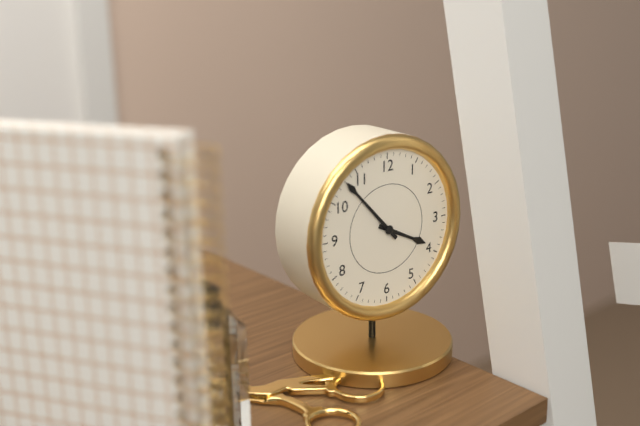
3:53
